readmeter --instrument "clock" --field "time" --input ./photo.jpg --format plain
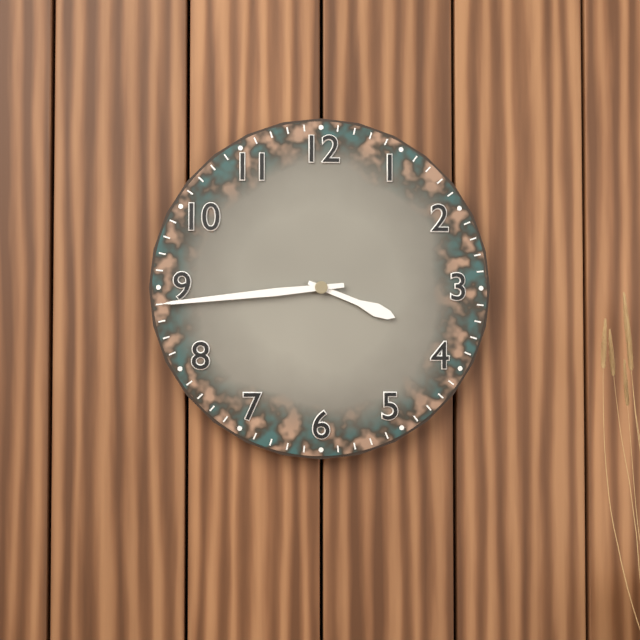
3:44
